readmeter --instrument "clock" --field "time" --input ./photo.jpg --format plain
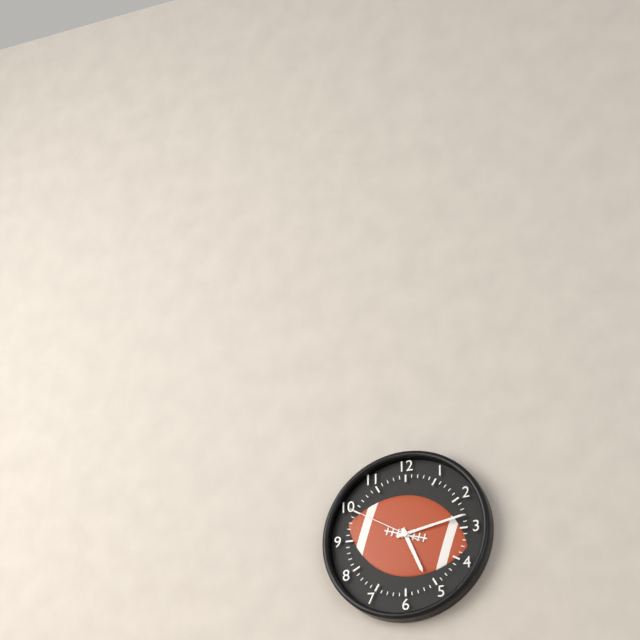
5:13:50
